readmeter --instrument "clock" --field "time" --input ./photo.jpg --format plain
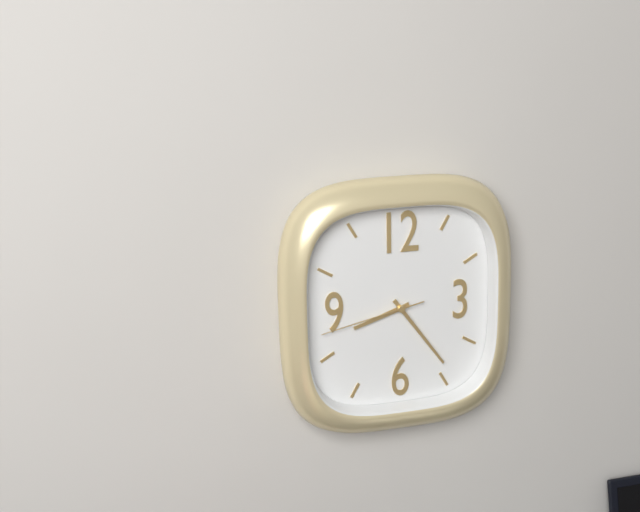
8:24:43
